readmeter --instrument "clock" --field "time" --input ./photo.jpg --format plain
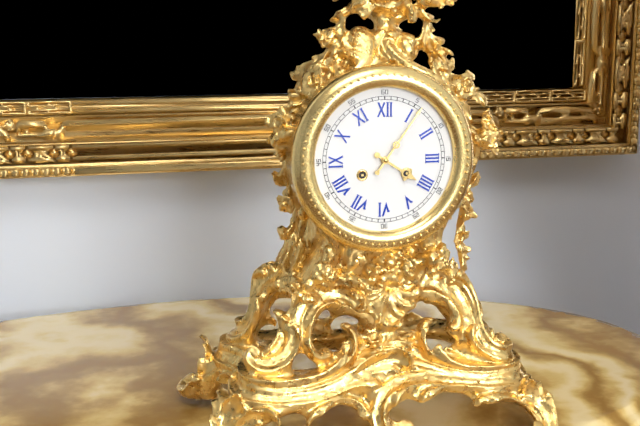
4:06
